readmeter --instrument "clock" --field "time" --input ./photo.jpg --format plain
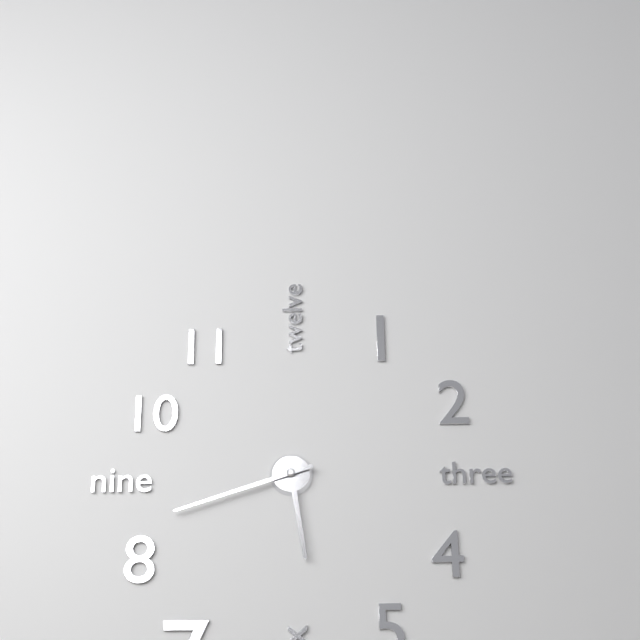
5:42
